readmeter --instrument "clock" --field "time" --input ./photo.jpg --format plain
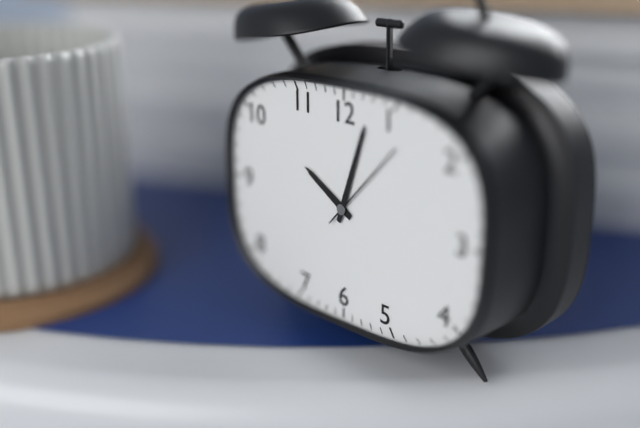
10:03:07
